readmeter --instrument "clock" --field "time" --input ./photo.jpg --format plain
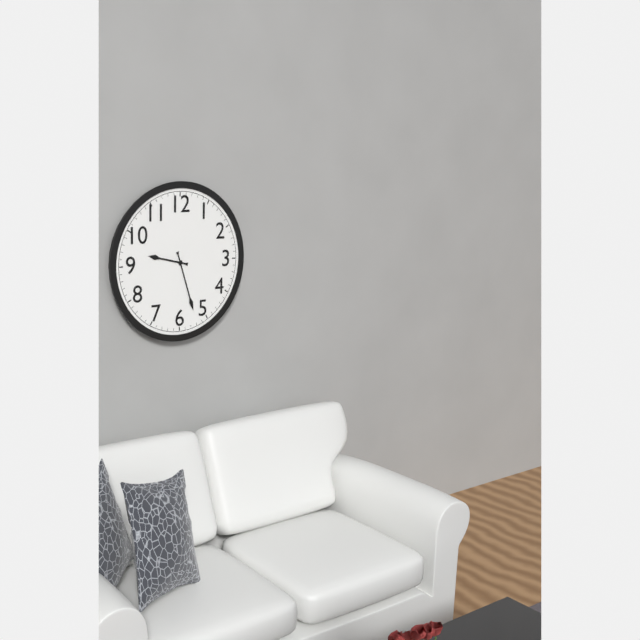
9:27
